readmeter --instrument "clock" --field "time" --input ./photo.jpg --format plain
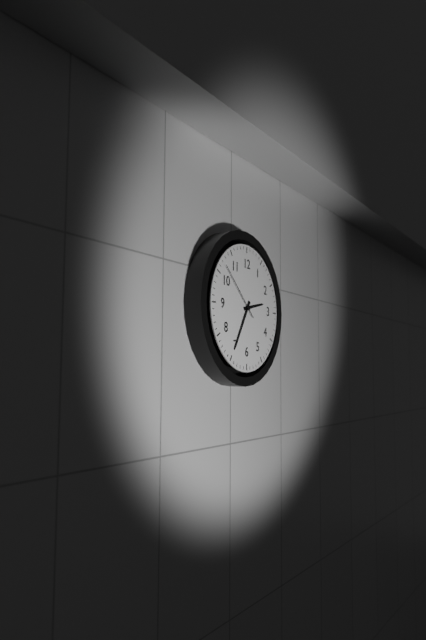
2:35:52
